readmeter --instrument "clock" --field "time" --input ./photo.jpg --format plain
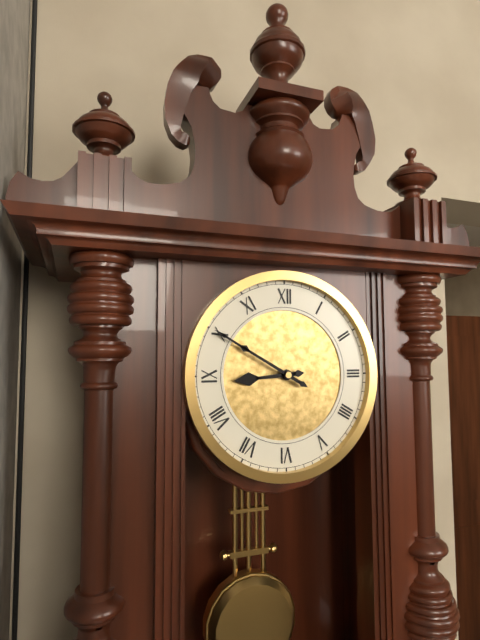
8:50
